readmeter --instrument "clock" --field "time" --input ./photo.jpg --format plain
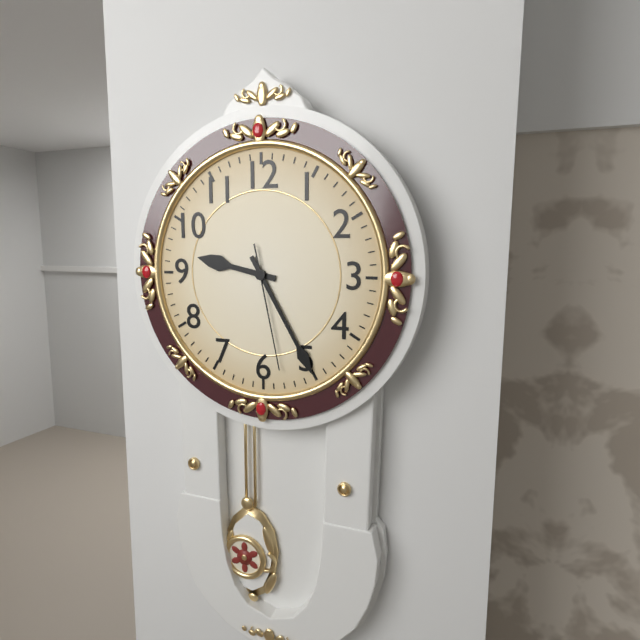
9:25:28
